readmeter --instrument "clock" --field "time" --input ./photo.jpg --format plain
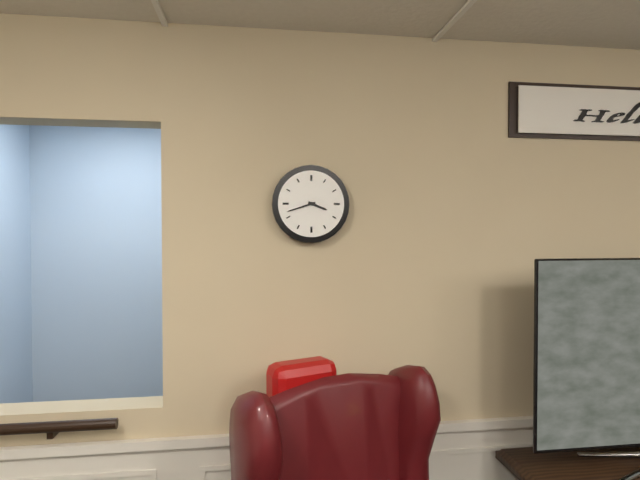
3:42
